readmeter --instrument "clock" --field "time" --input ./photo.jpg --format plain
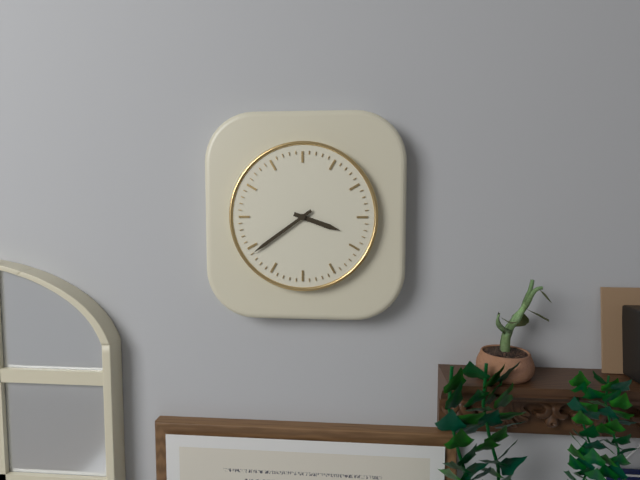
3:39
